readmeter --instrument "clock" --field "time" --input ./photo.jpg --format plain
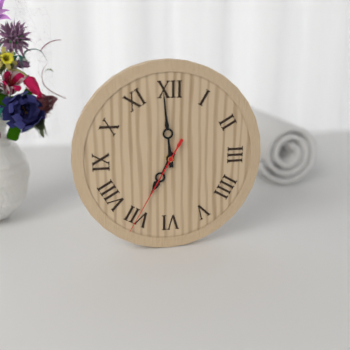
6:59:35
